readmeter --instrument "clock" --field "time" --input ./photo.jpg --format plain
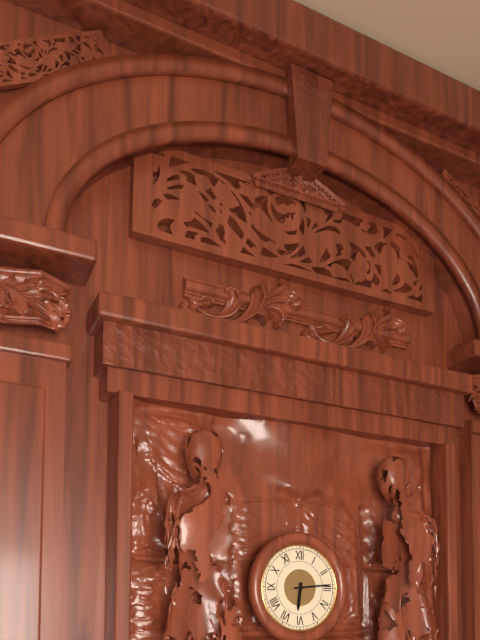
6:14
